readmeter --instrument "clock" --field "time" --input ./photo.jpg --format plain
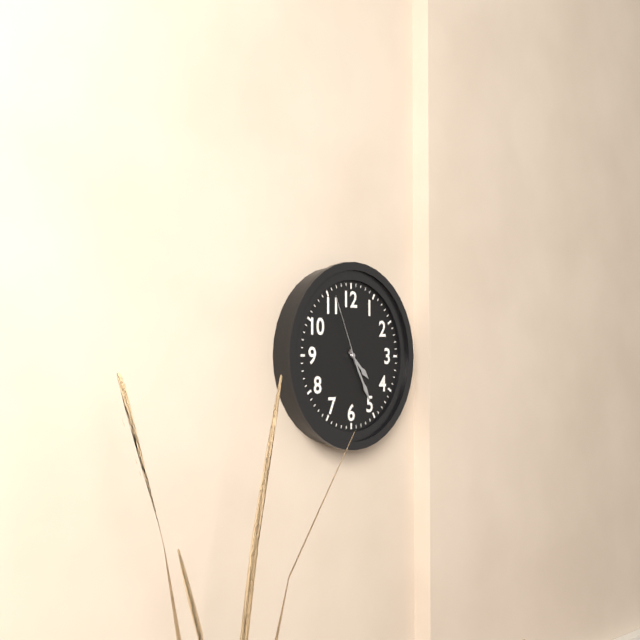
4:25:56
